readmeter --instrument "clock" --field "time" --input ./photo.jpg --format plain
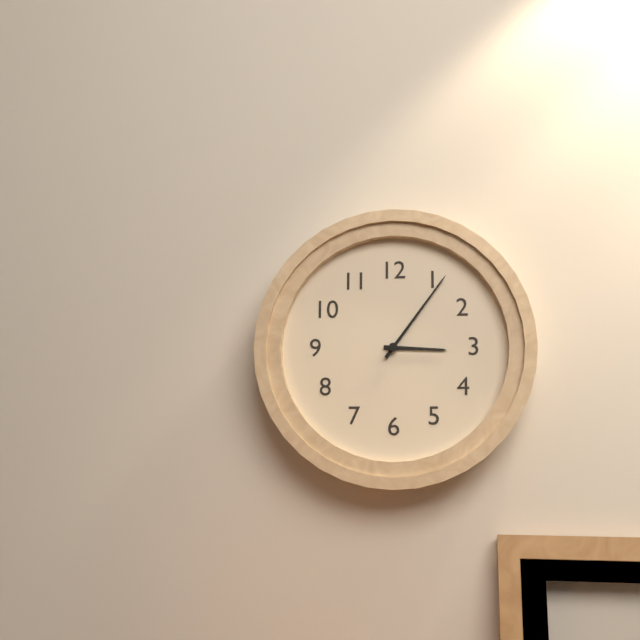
3:06
